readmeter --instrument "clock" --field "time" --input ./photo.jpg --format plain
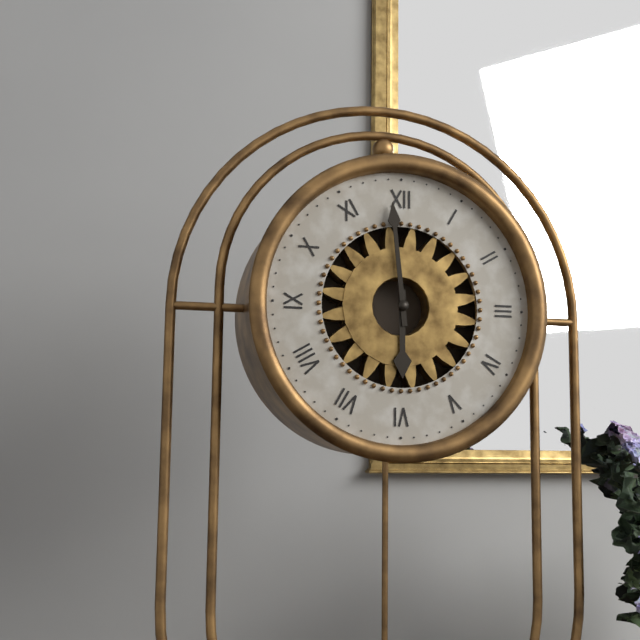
5:59
